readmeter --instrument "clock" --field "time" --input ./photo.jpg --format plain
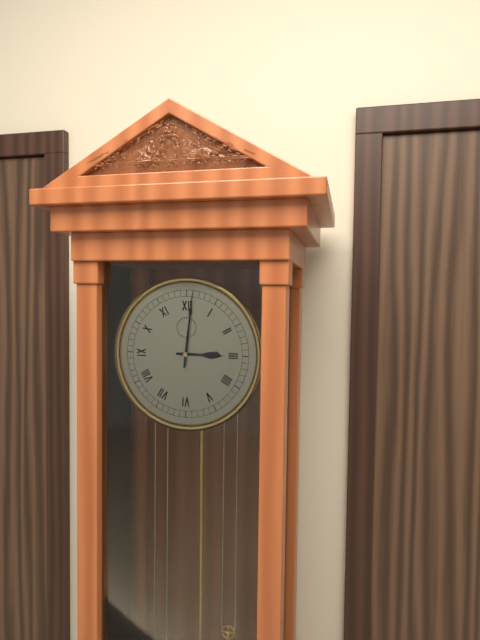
3:01
